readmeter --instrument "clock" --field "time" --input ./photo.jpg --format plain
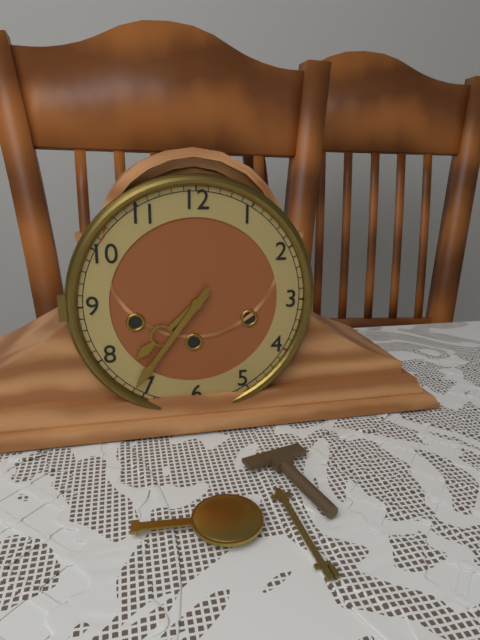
7:36
